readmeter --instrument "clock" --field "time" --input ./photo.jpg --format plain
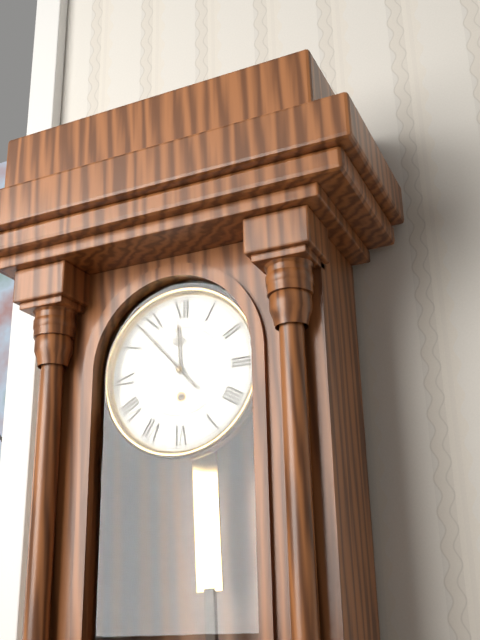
11:53
